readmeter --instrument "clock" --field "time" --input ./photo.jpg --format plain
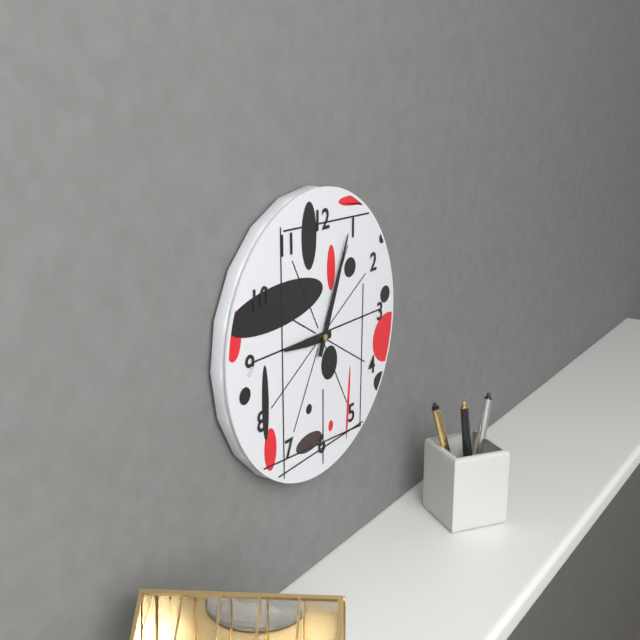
9:04
